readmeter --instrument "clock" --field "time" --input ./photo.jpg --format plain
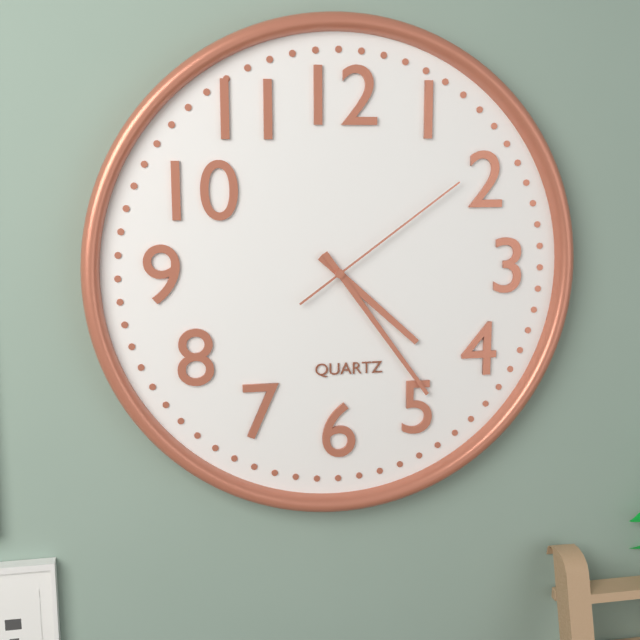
4:24:09
